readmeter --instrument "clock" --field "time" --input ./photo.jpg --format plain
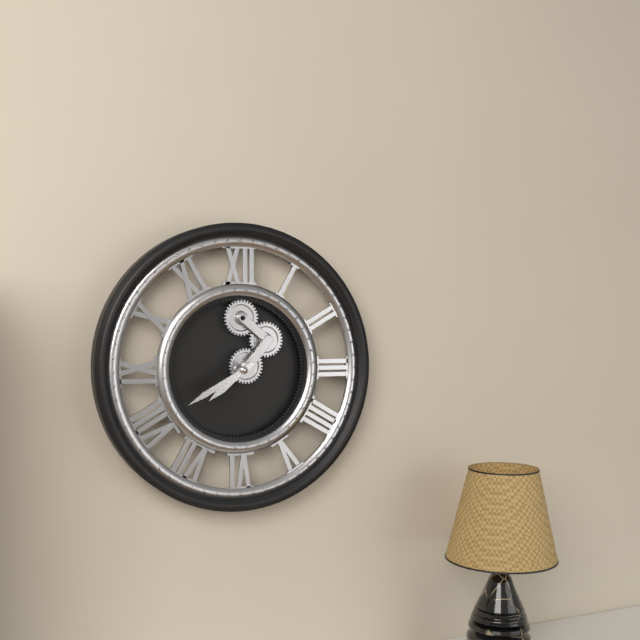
7:40
